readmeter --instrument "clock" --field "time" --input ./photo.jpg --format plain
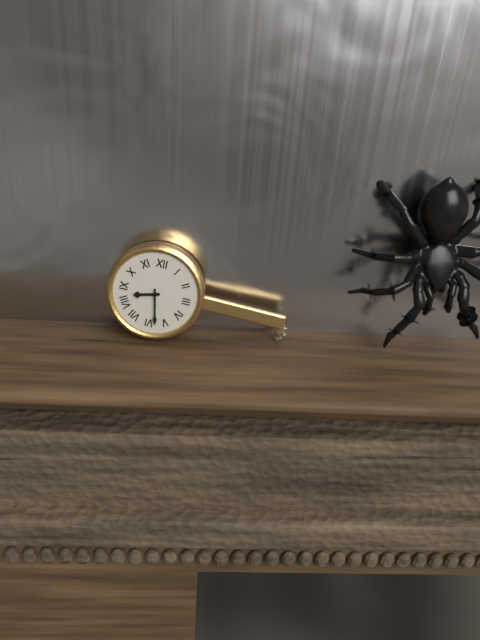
8:28
